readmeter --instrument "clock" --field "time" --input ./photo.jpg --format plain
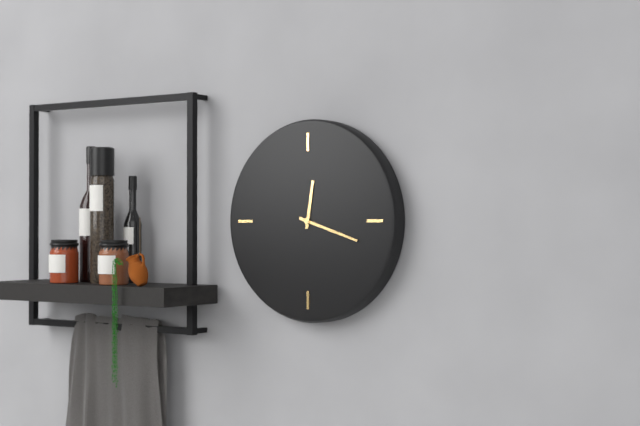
12:18
